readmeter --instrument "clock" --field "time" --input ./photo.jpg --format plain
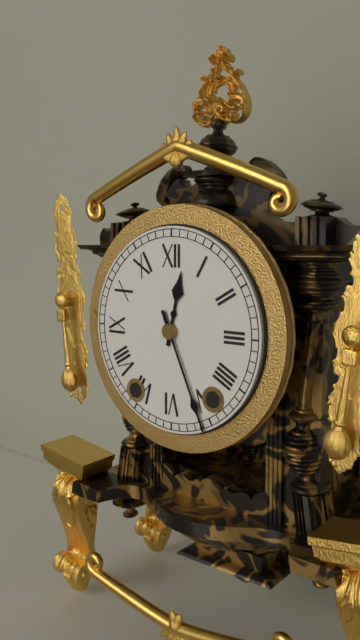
12:26
